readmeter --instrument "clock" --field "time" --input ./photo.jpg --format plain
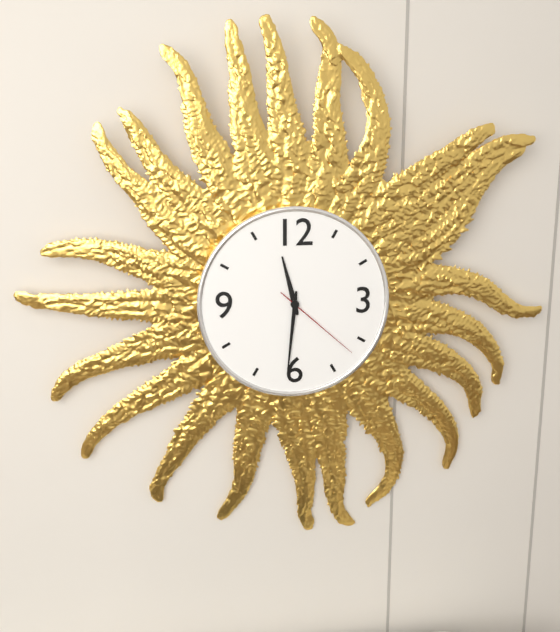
11:31:22
